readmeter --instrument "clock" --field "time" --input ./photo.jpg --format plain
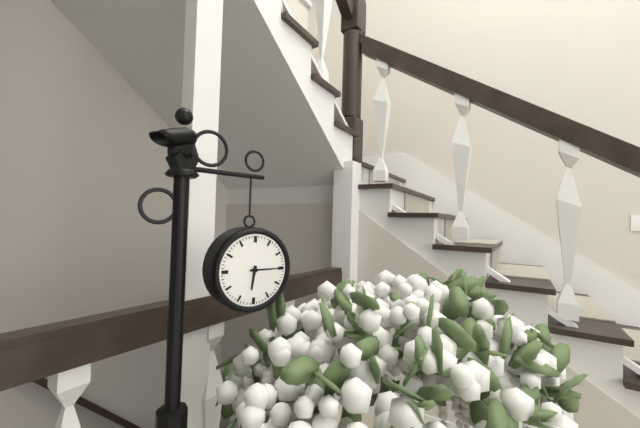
6:15
